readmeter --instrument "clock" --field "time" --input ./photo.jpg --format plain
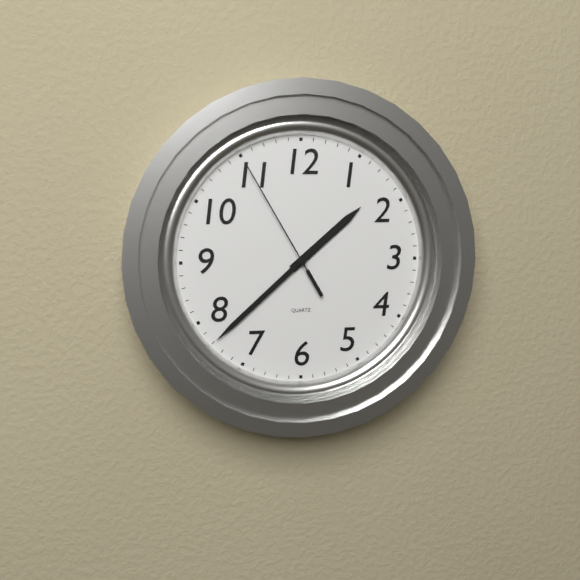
1:38:55
